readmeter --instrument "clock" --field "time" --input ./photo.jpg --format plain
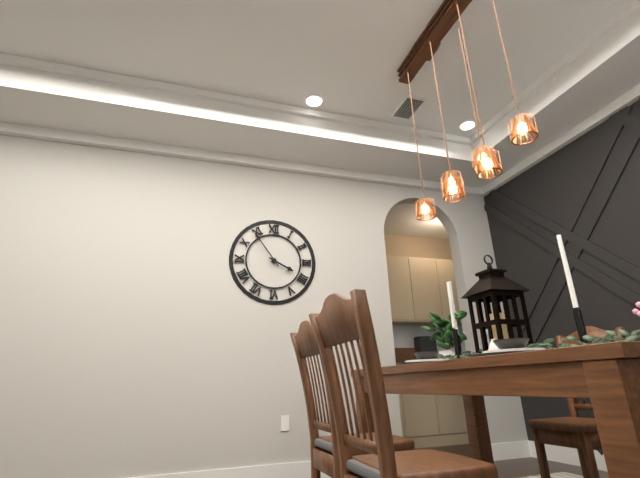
3:54
